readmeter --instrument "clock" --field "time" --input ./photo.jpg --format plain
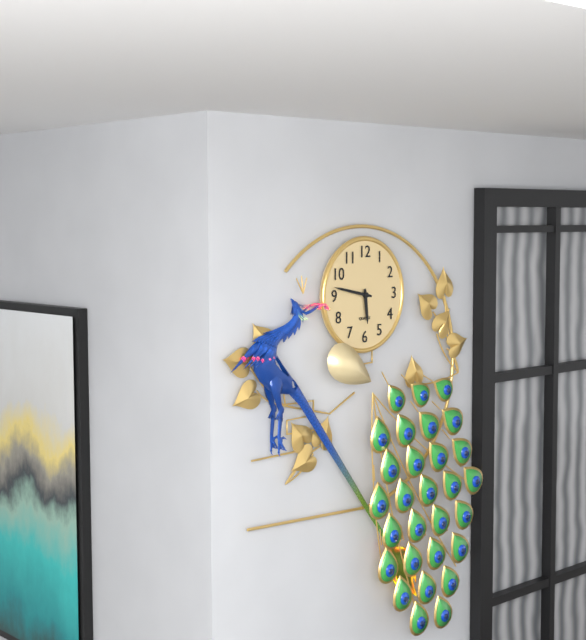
5:47
